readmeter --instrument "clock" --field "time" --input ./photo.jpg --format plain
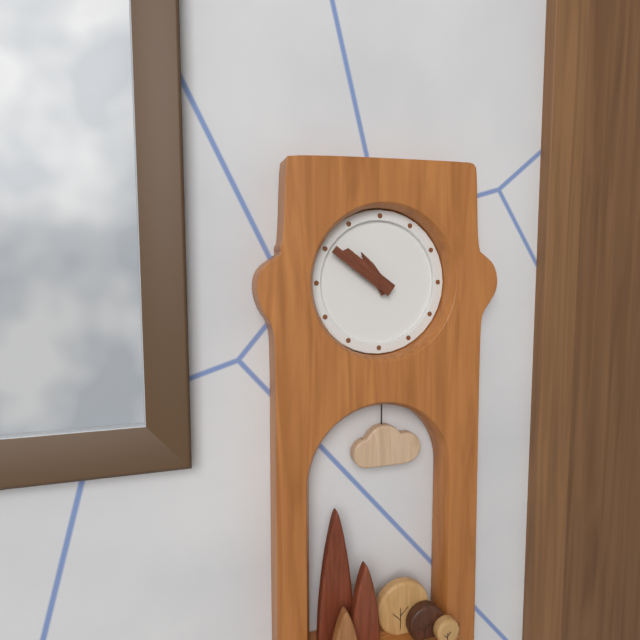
10:51
